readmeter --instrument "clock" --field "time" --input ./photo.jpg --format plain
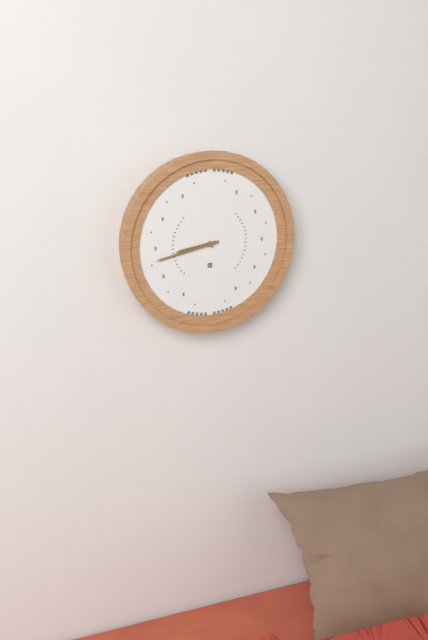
8:43
